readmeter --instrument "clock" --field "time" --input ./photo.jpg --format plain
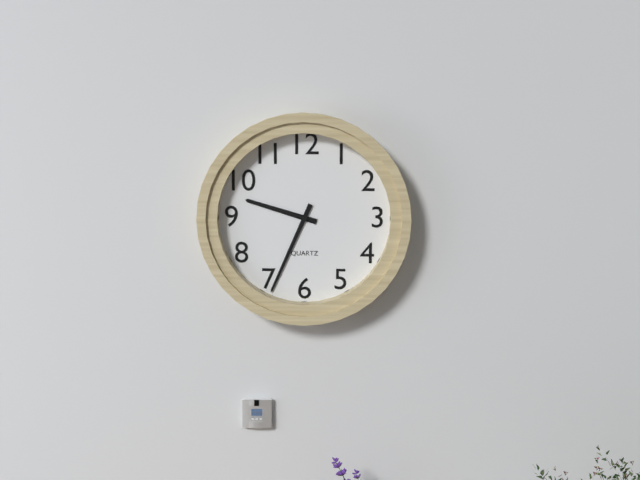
9:34
